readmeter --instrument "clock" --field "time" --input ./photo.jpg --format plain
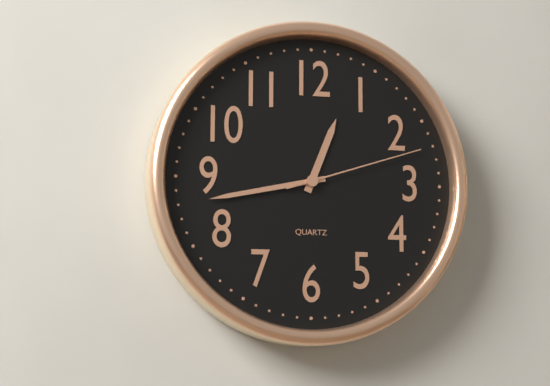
12:43:12
